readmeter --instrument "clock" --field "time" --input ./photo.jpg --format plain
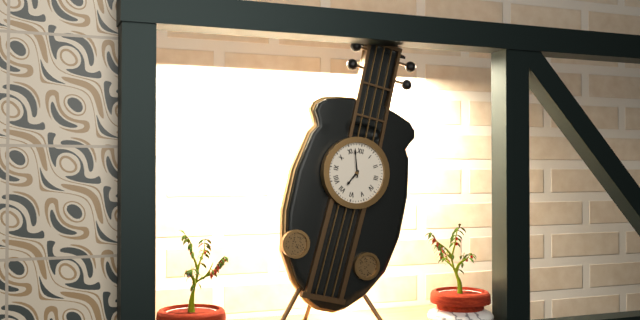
6:57
